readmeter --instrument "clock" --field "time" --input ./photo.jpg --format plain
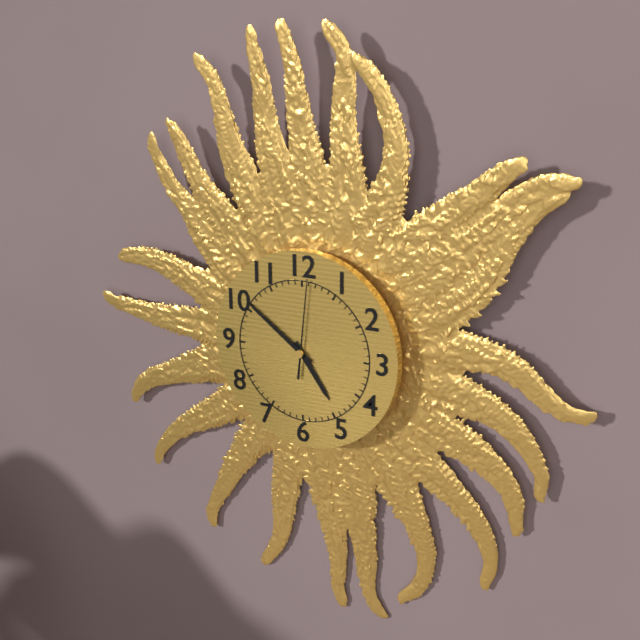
4:51:01
